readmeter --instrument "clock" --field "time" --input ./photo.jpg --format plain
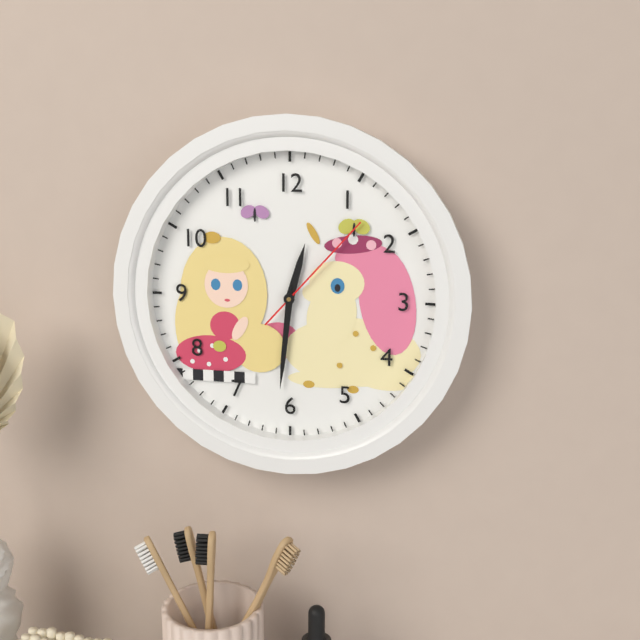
12:31:07
